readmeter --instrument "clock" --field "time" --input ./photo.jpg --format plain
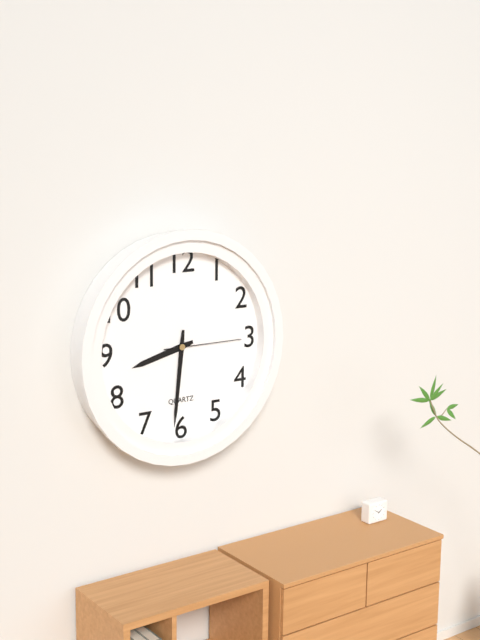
8:31:15
